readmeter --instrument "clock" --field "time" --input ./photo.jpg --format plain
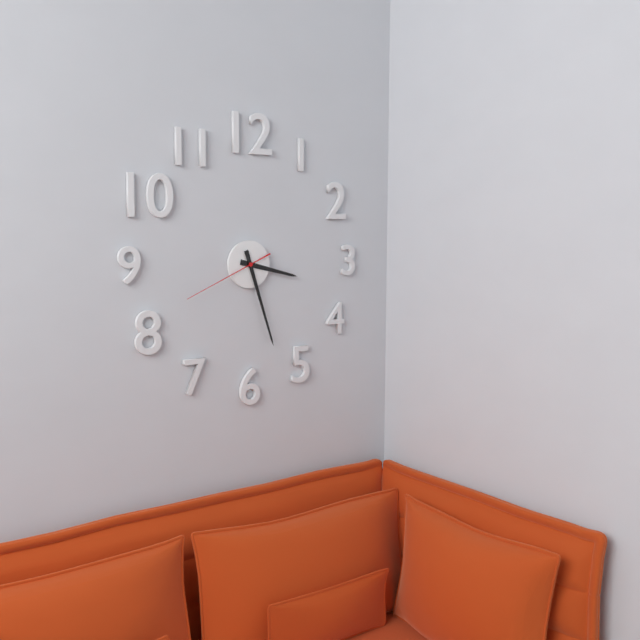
3:27:41
